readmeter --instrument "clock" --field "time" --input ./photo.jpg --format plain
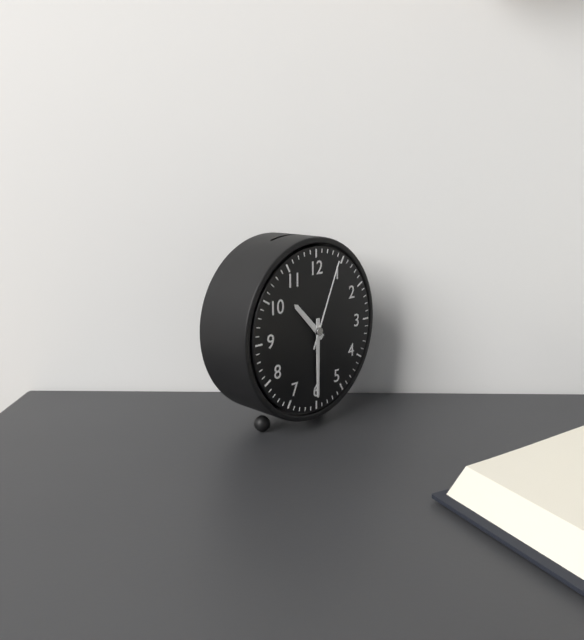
10:30:04
